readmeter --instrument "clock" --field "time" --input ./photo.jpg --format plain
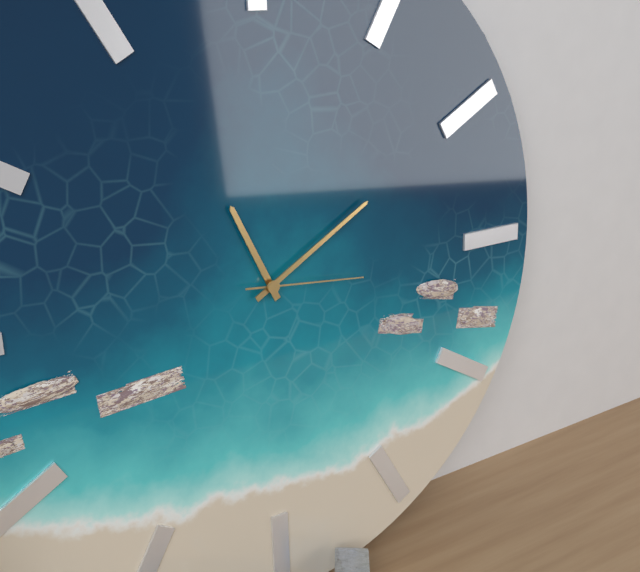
11:10:16
